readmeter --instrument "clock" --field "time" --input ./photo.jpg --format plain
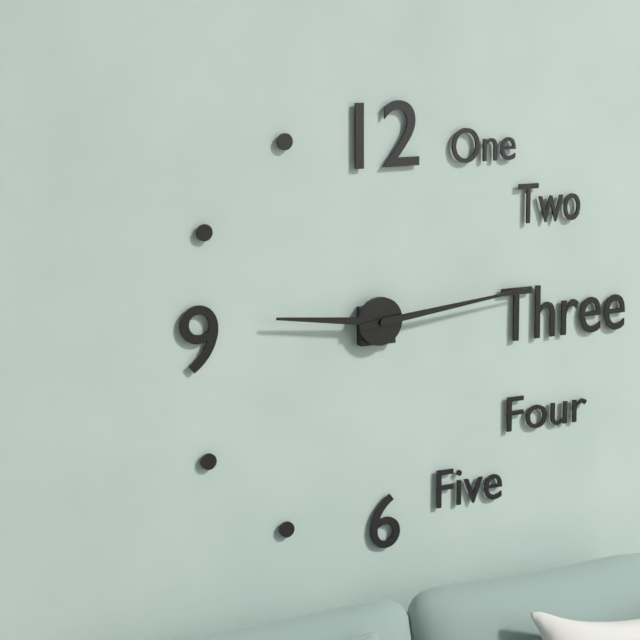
9:14
